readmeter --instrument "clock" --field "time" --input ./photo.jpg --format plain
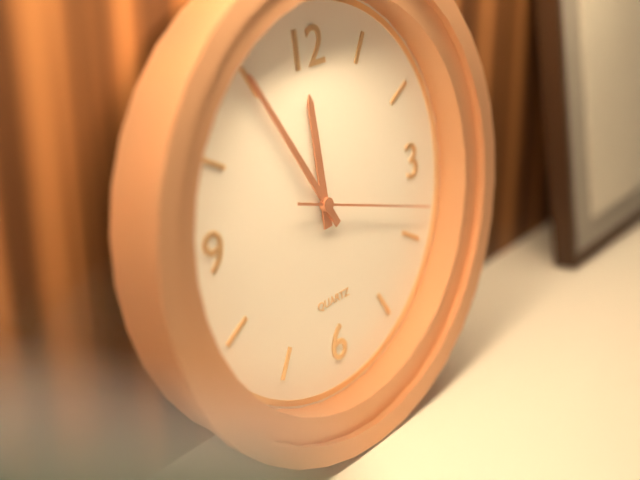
11:55:18
